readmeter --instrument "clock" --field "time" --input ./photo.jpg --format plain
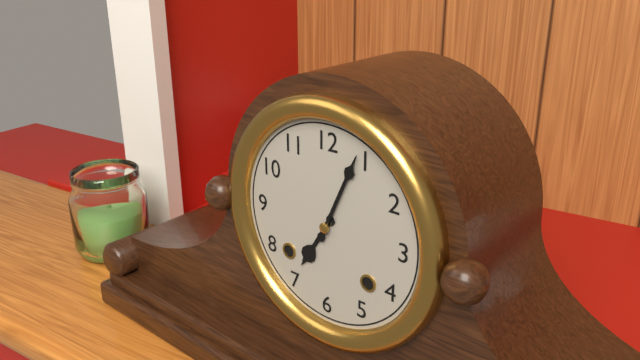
7:04
